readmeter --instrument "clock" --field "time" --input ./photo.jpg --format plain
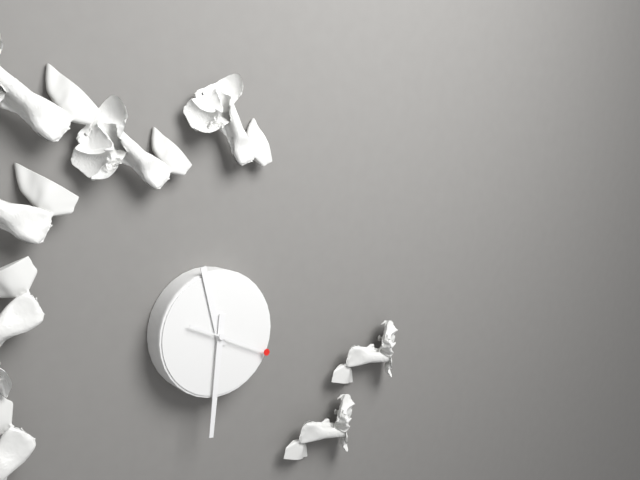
11:31:19
